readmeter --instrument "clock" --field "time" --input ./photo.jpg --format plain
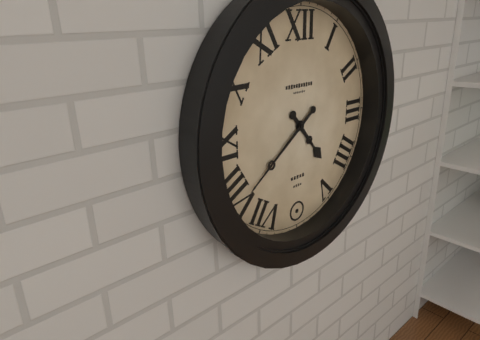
4:39
